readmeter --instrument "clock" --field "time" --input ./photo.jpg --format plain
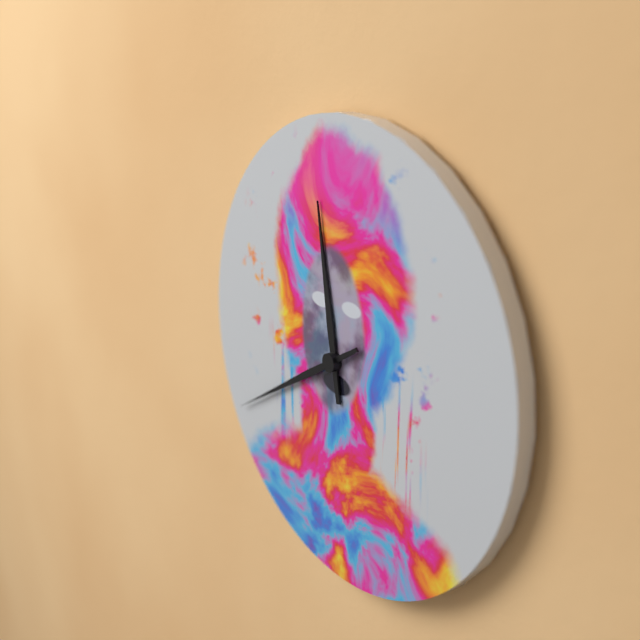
11:40
